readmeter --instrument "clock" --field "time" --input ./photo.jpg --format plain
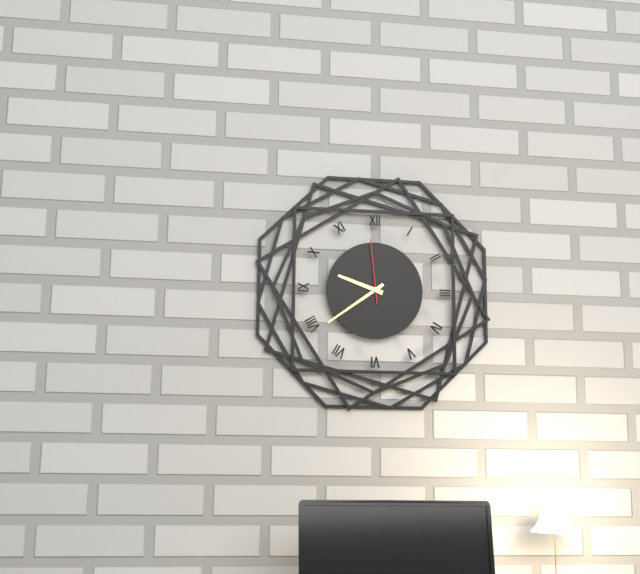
9:39:59
